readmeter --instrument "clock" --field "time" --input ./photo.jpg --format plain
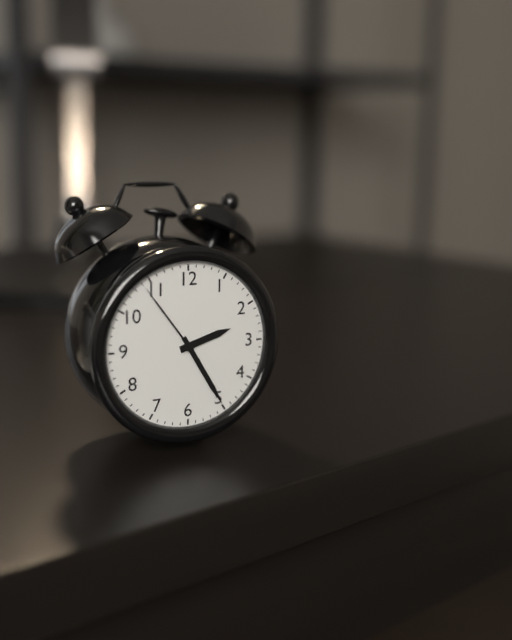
2:25:54
